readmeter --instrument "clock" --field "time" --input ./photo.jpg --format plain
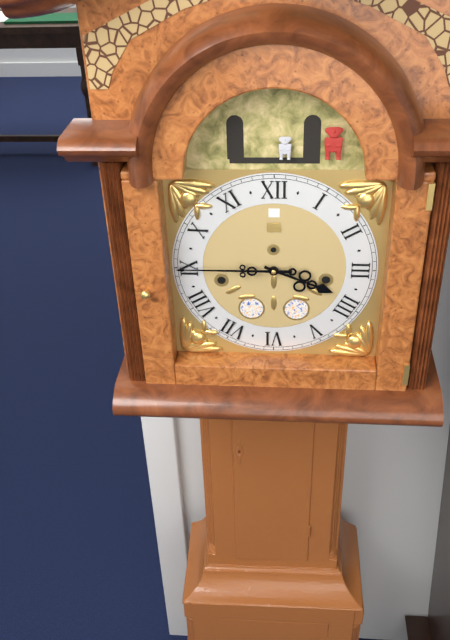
3:45
